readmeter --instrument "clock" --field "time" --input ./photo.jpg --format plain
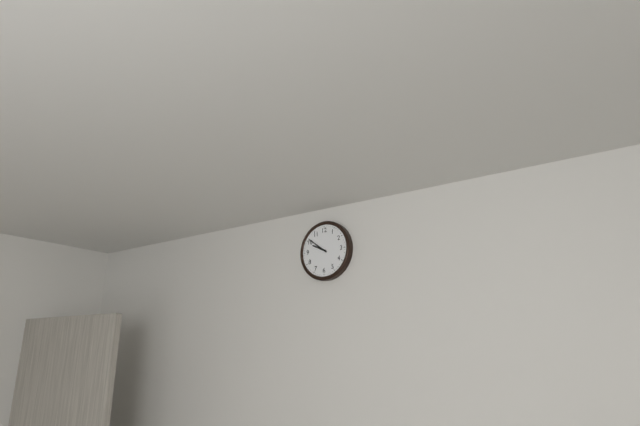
9:51
